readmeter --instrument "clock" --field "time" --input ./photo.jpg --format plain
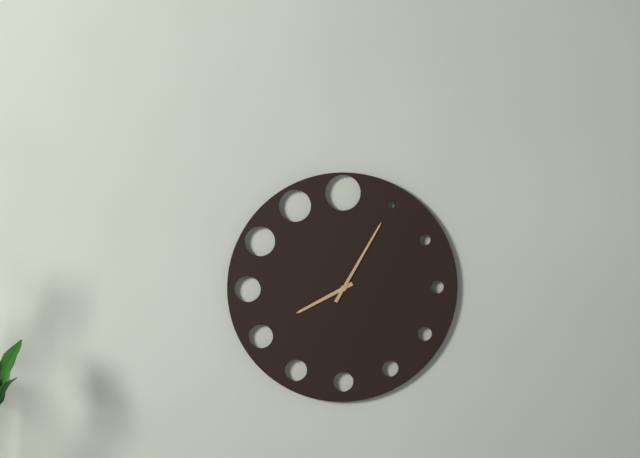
8:05
